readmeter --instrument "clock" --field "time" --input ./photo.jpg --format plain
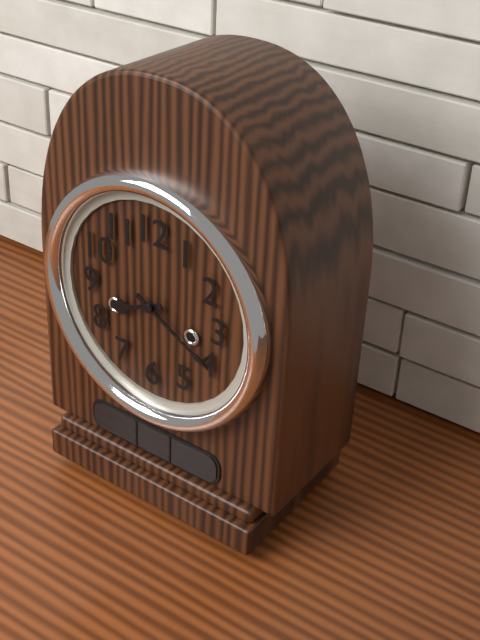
8:20
